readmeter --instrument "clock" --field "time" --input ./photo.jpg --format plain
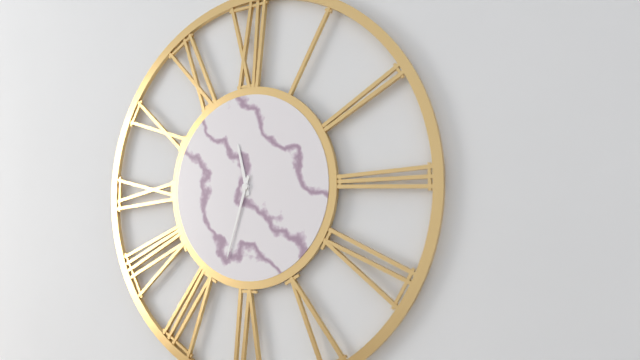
11:33
